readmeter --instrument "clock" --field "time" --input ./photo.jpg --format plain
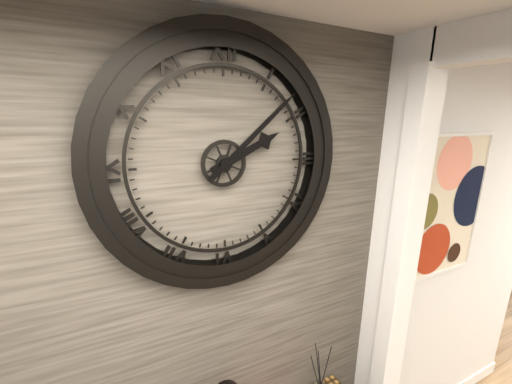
2:08
